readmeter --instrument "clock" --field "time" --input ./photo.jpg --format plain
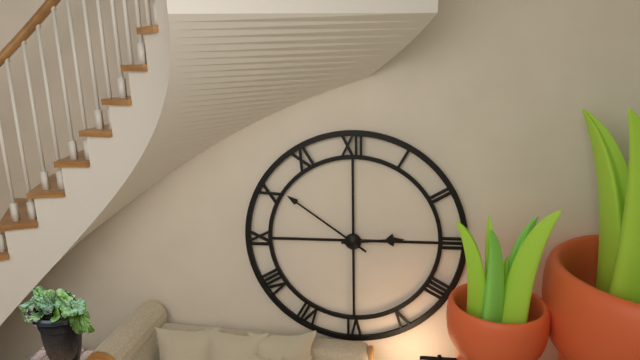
2:51
